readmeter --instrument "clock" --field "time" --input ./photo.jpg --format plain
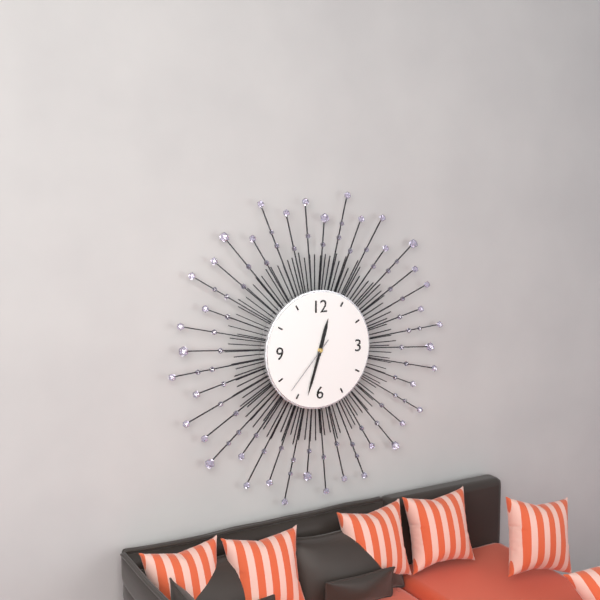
12:33:37
